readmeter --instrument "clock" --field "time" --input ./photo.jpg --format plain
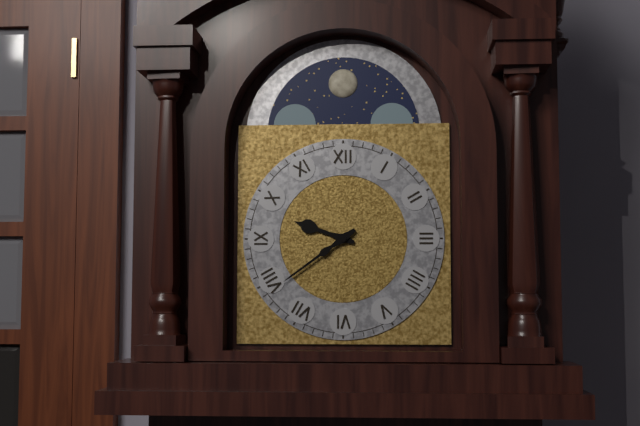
9:39
